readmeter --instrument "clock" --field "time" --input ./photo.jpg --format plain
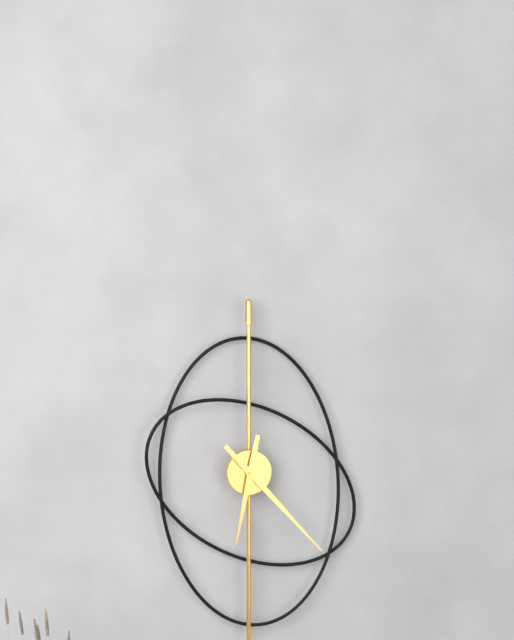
6:23
